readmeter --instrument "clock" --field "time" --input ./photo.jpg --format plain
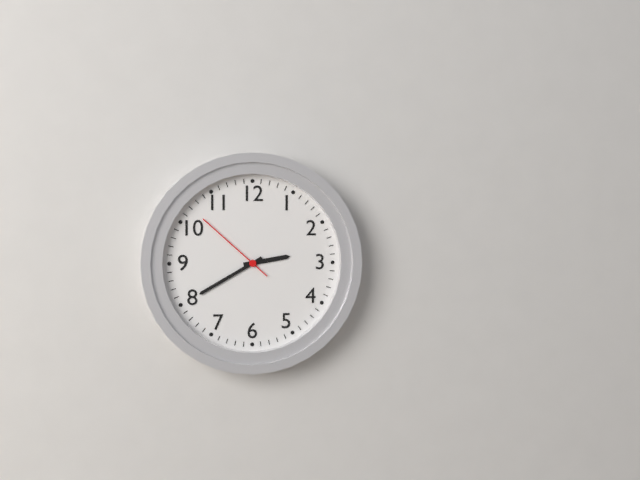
2:40:52
